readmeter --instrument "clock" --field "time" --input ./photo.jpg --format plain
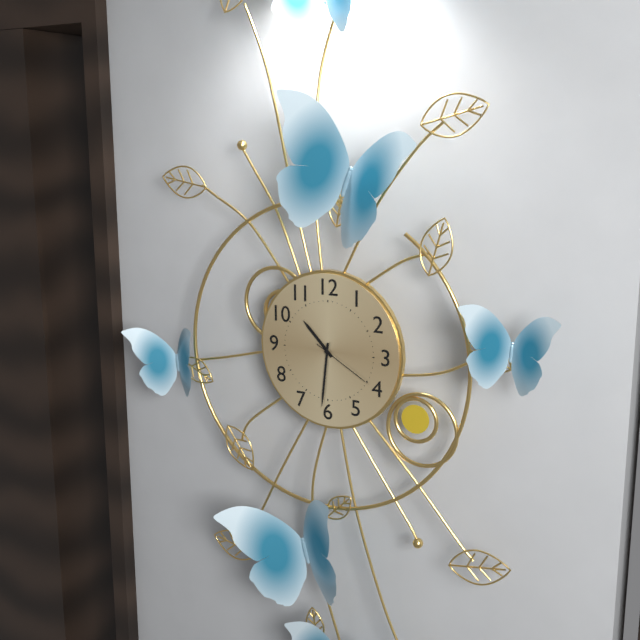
10:31:20
